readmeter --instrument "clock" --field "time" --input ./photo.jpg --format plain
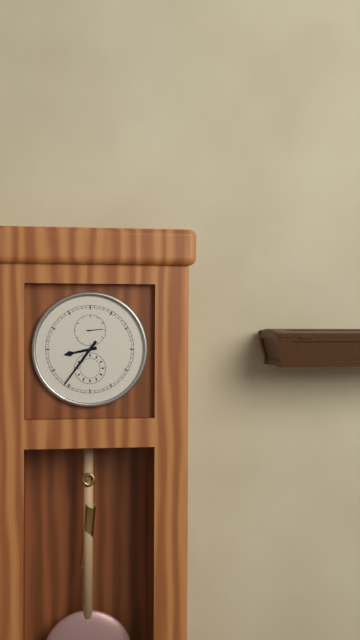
8:36
